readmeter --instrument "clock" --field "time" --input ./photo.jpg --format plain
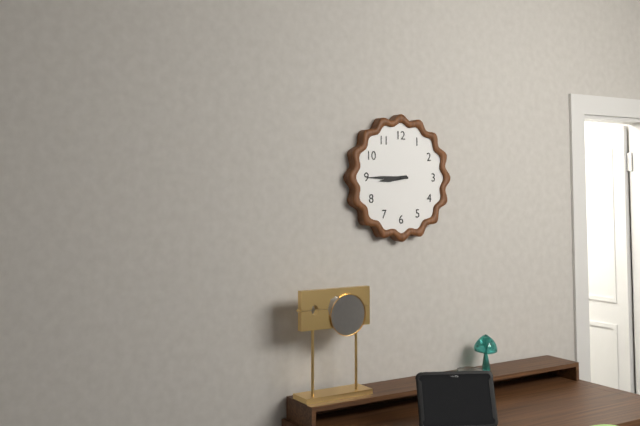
8:45
